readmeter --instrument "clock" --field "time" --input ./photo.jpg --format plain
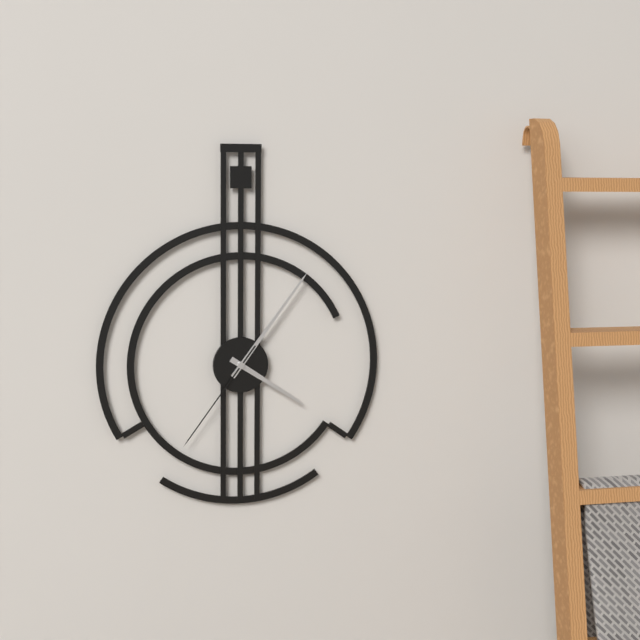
4:06:36
